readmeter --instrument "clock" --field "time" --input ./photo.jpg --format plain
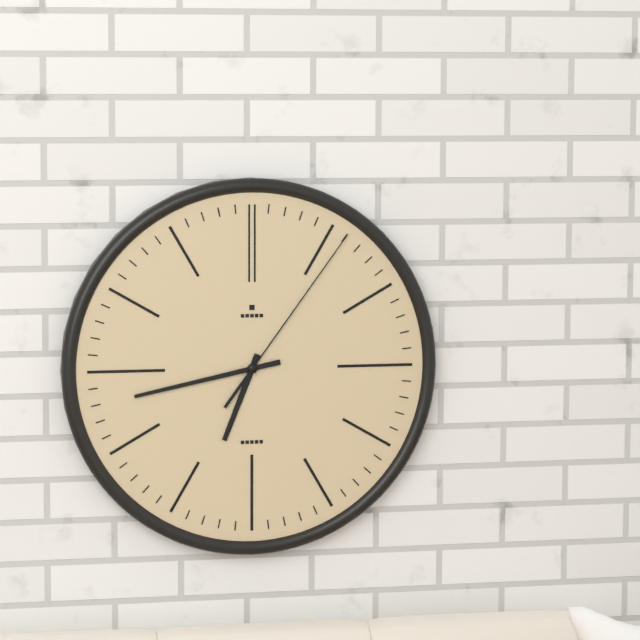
6:43:06
